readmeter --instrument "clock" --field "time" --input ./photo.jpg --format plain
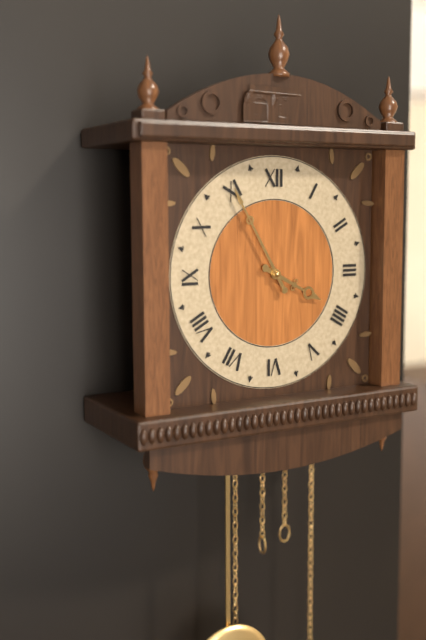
3:55
